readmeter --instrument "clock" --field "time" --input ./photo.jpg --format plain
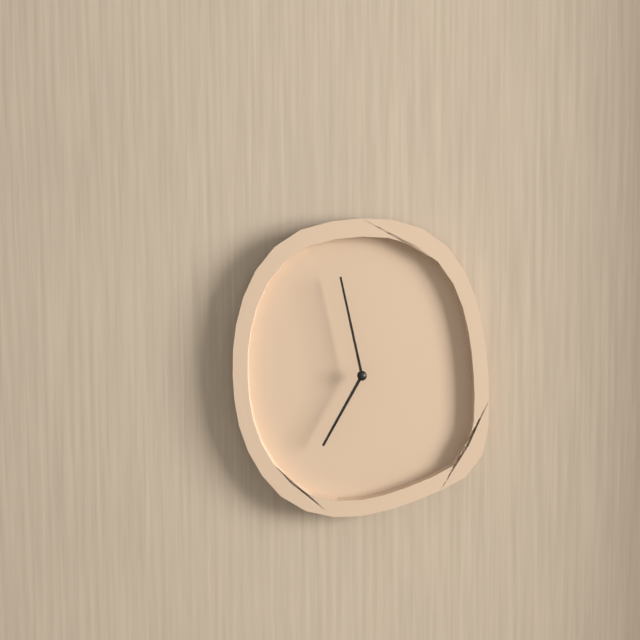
6:58
